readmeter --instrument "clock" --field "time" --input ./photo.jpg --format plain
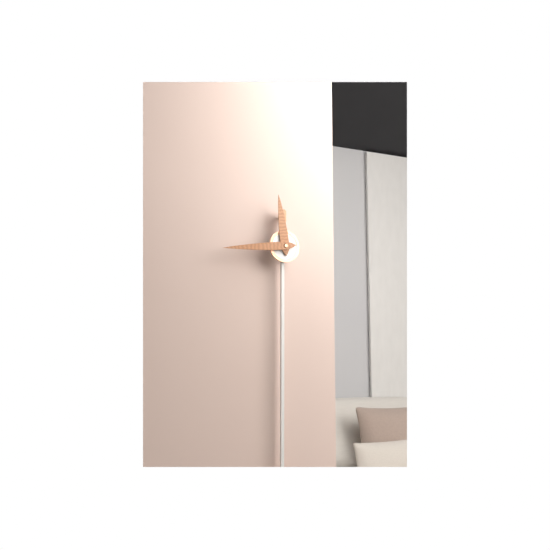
11:44
